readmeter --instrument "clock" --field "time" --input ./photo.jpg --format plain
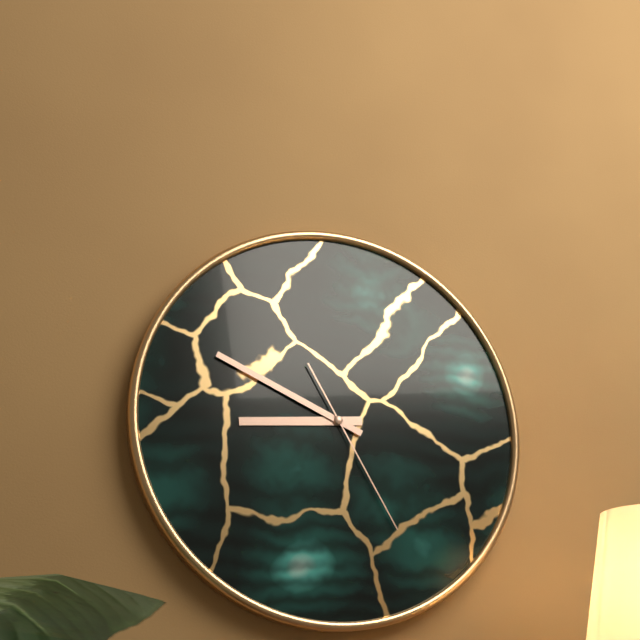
8:49:25
